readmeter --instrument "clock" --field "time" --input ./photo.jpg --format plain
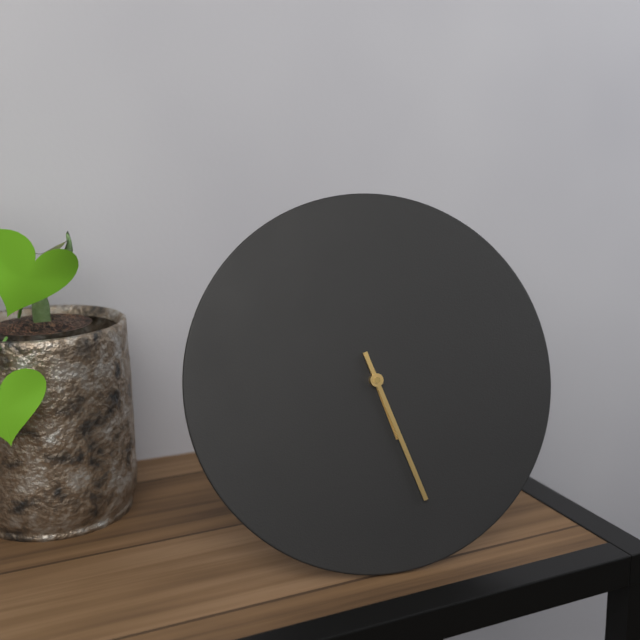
5:27
